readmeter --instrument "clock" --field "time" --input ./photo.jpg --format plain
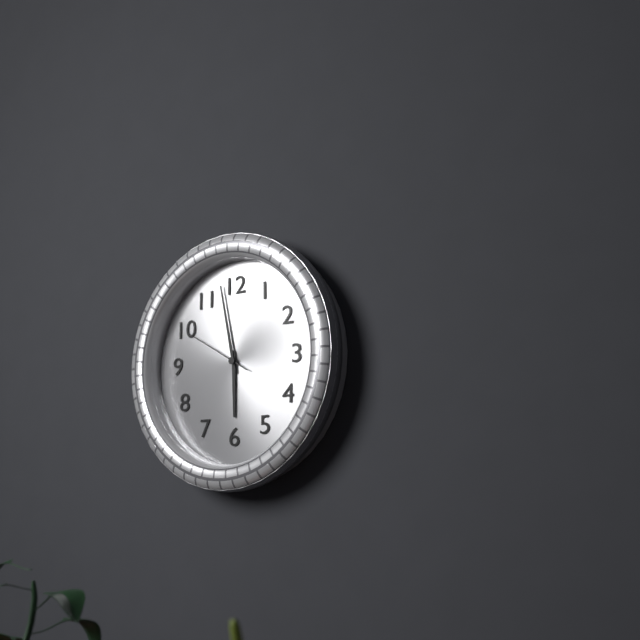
5:58:50
